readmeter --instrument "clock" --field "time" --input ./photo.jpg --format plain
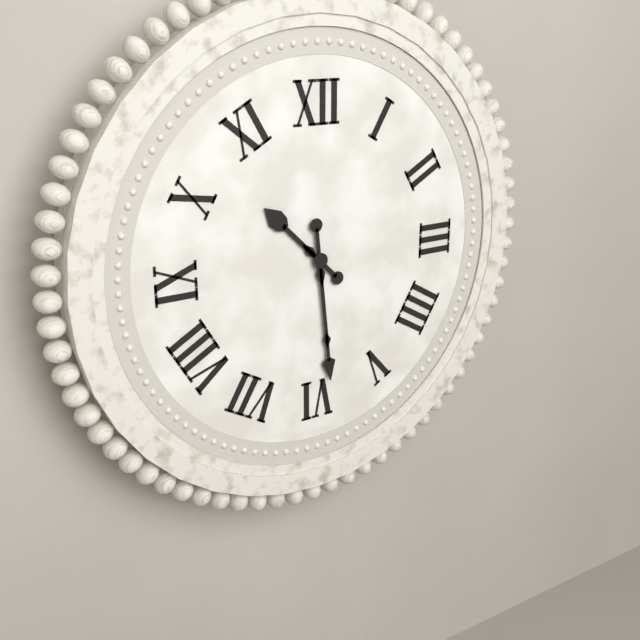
10:29
